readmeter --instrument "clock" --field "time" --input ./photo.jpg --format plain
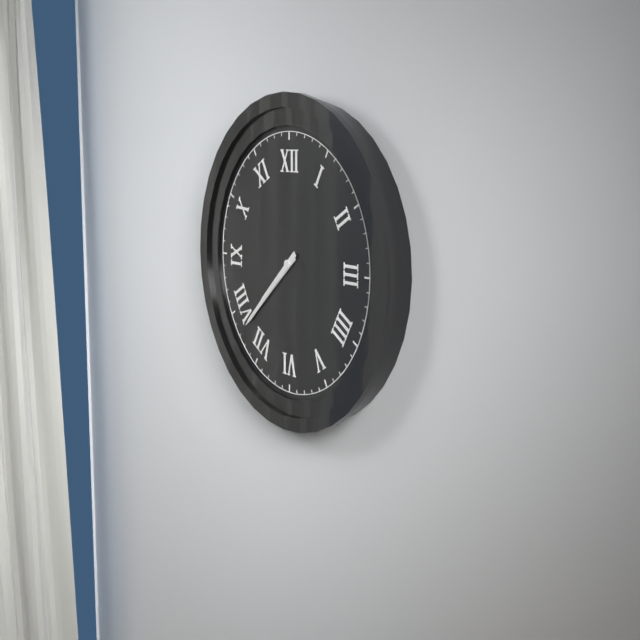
7:38
